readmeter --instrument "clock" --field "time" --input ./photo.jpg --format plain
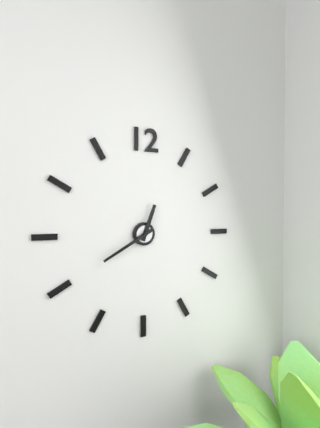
12:40
